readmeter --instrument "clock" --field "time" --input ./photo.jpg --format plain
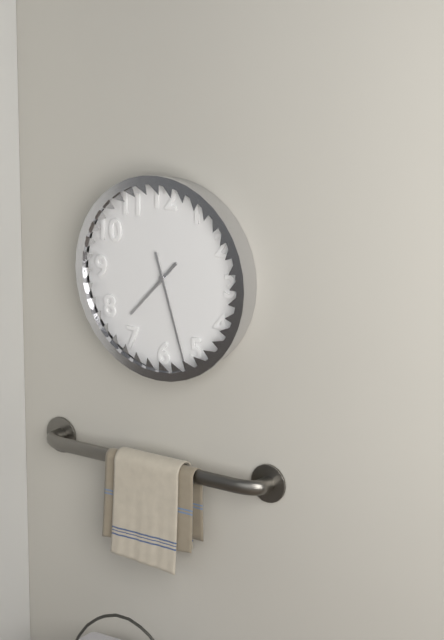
7:27
